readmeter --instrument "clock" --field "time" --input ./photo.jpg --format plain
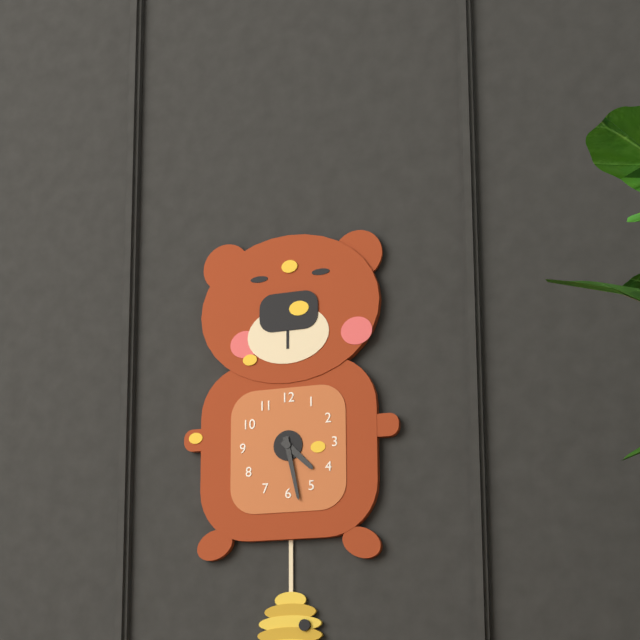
4:28
